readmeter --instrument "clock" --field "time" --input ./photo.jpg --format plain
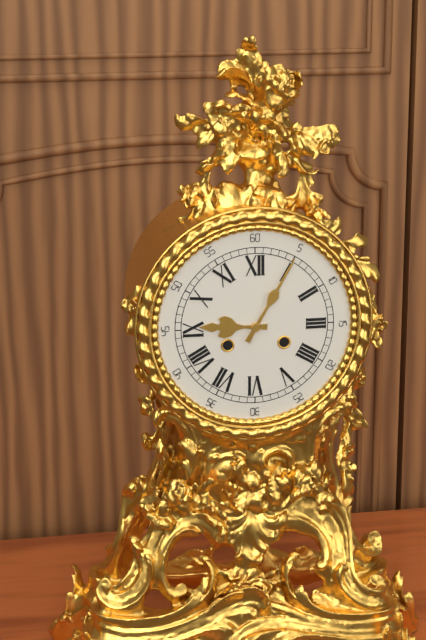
9:05
